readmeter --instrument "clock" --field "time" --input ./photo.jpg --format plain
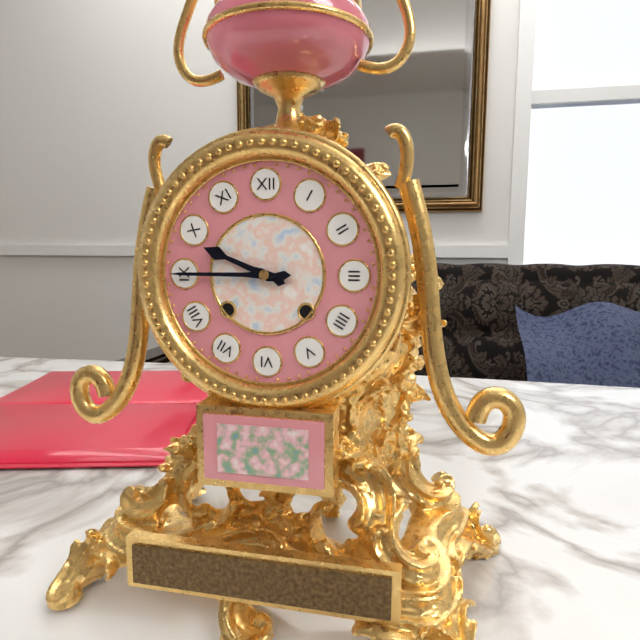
9:45
